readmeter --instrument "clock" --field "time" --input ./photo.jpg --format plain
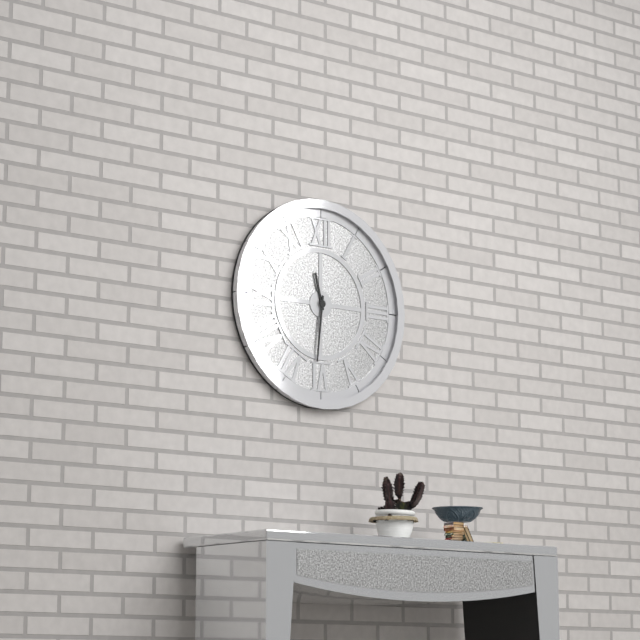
11:31
